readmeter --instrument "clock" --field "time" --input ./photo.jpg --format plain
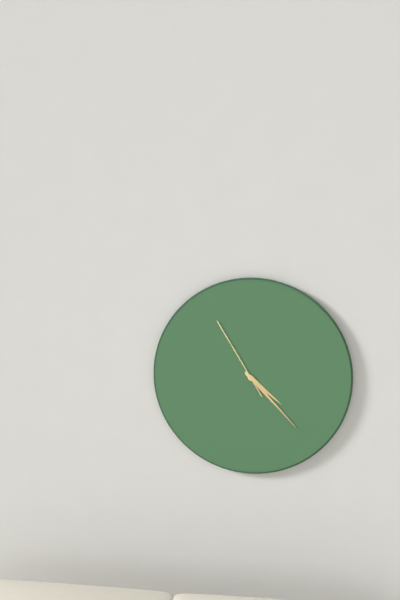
4:23:55
